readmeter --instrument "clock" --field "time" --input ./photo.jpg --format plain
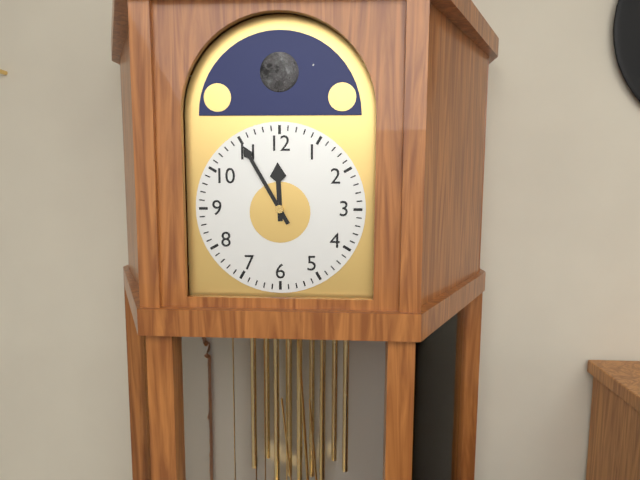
11:55
